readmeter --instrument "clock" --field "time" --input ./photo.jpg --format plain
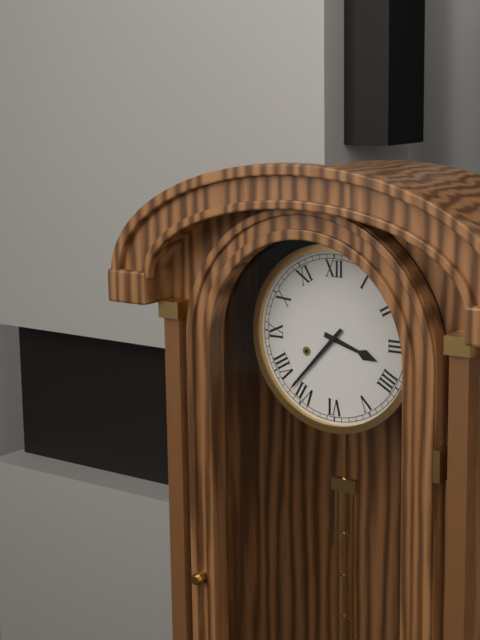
3:37
